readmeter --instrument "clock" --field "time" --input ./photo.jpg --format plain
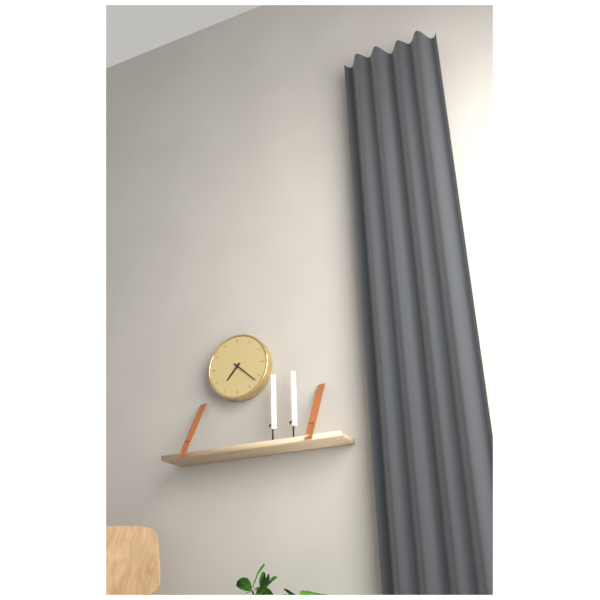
7:22
